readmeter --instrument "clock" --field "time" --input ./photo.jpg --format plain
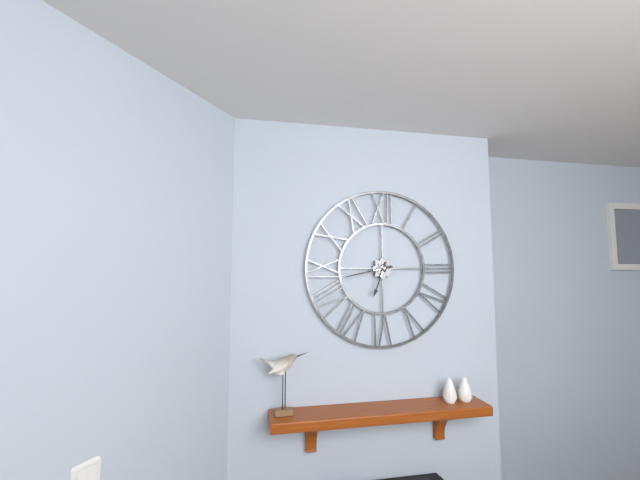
6:43
